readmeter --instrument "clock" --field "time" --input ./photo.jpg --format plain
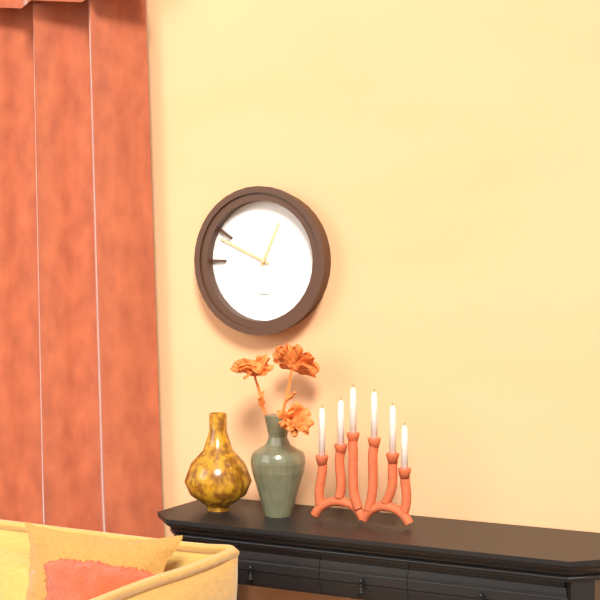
12:49
